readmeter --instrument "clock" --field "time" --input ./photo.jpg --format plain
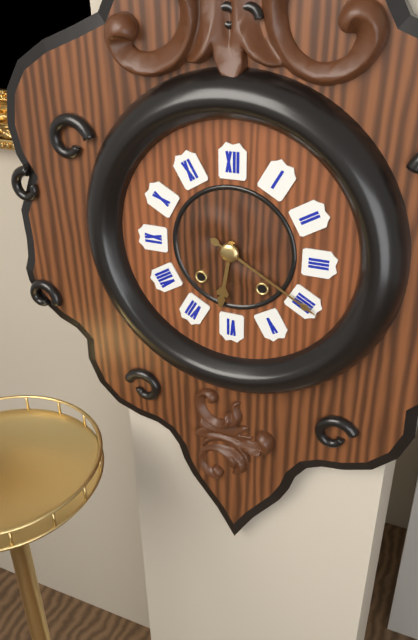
6:20
